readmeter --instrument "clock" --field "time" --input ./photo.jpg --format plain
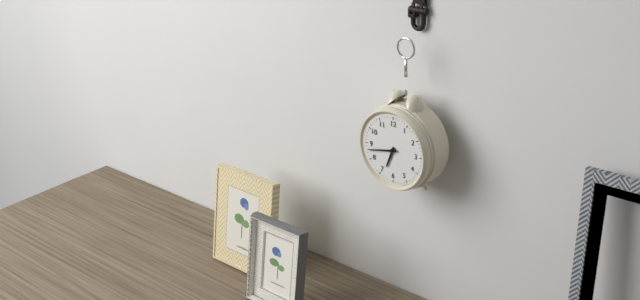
6:43
